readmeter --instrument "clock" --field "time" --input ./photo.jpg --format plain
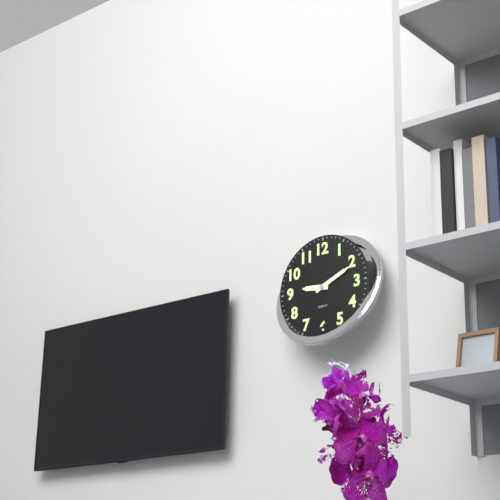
9:11
